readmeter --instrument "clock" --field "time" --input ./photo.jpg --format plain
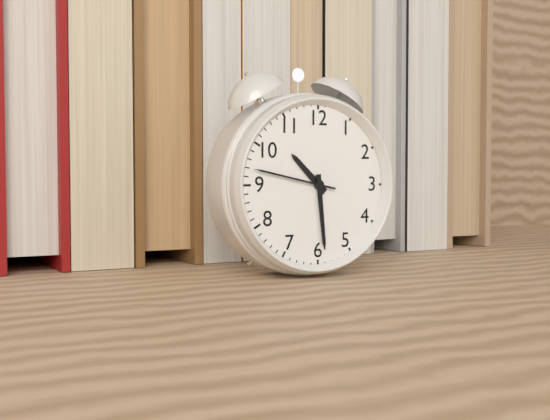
10:29:47
